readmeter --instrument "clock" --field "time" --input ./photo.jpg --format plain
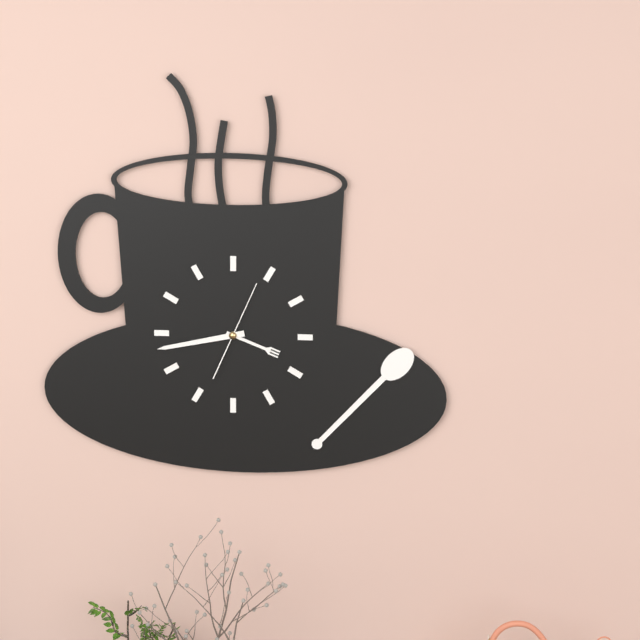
3:43:04
